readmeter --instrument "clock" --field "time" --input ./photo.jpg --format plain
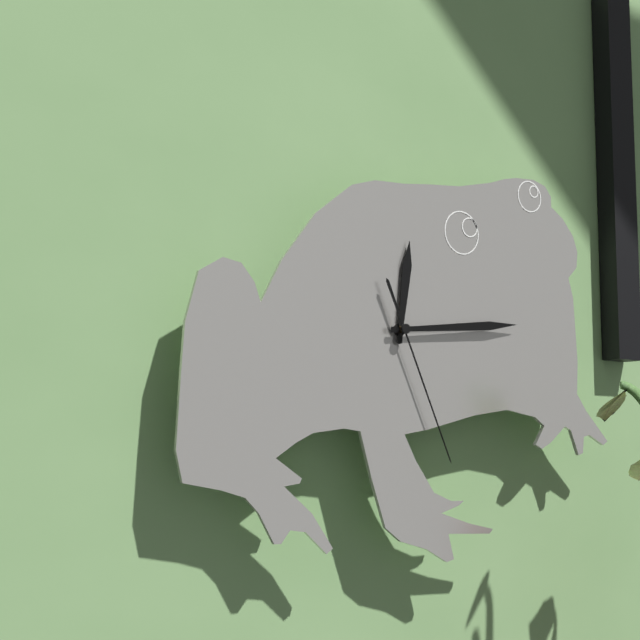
12:14:26
